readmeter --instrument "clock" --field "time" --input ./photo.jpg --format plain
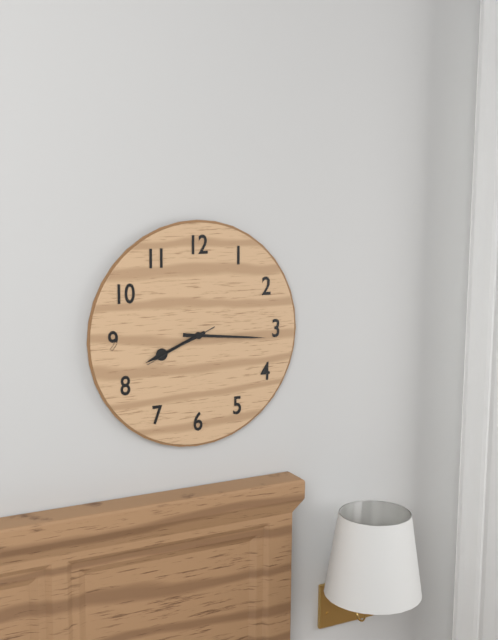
8:16:41
